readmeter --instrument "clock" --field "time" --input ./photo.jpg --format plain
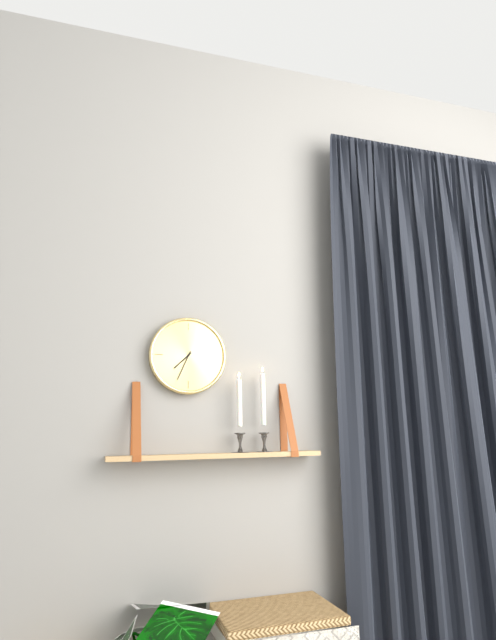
7:34
